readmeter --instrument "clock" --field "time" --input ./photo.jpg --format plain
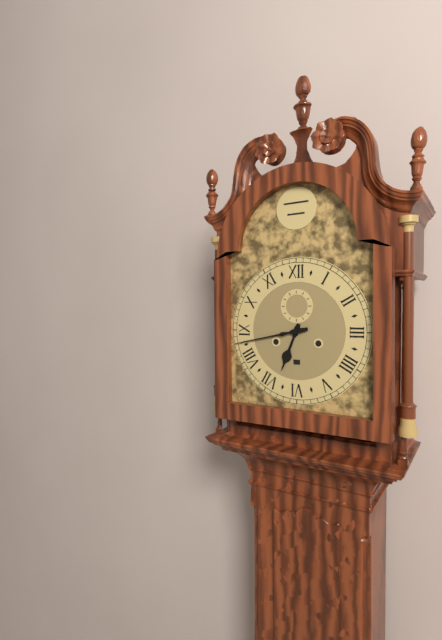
6:43
